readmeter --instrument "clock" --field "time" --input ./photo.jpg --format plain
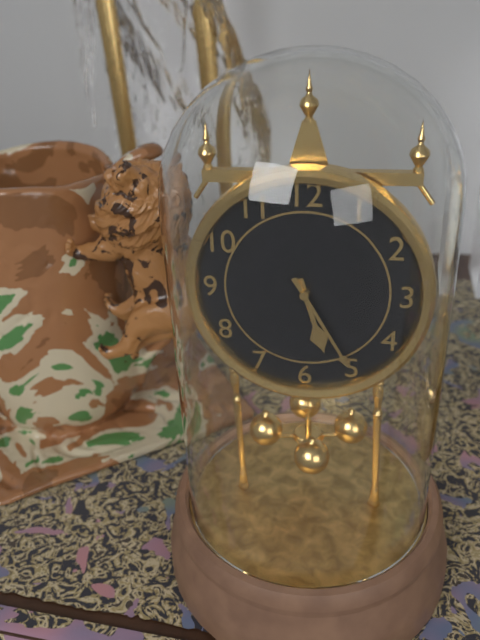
5:25
